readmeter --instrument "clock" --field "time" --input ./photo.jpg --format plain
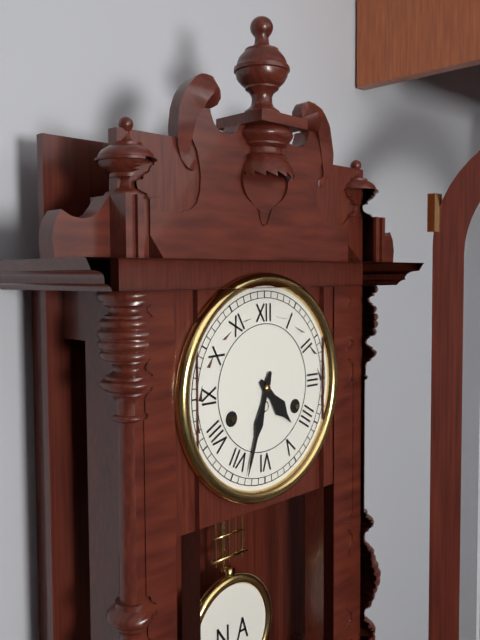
4:33
